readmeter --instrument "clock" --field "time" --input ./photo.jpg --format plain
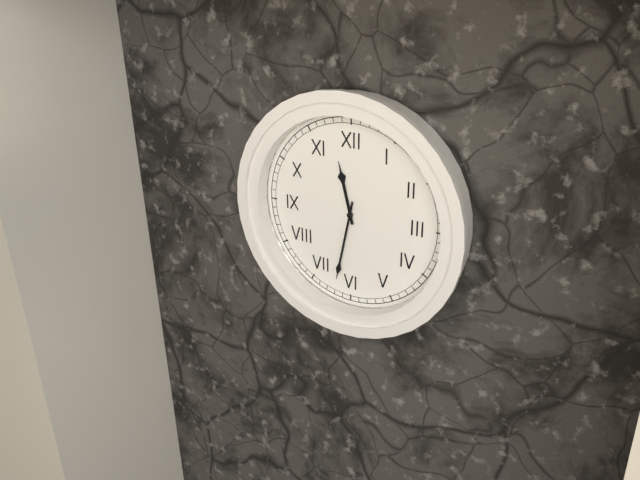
11:32
